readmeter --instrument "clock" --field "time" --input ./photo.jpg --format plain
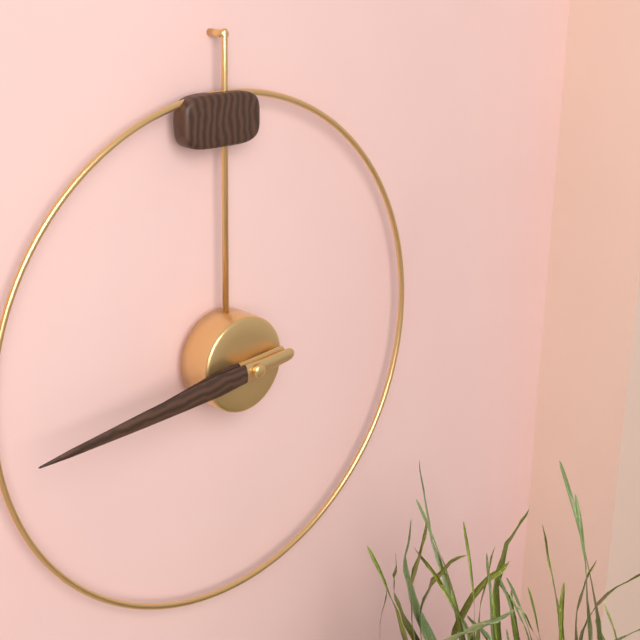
8:44
